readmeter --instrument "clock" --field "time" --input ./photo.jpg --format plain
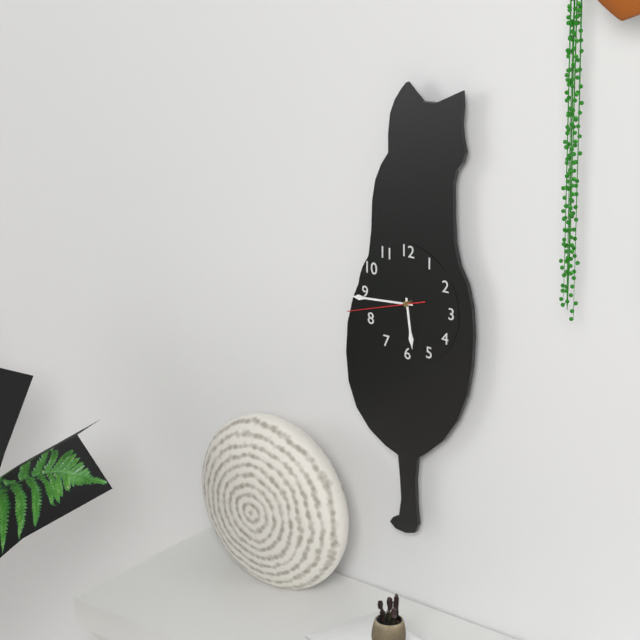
5:44:42
